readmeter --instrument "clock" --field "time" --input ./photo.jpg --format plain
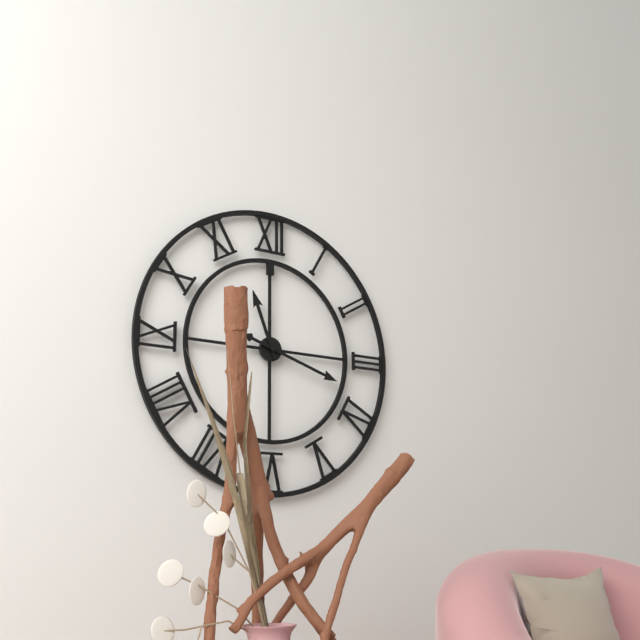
11:18
